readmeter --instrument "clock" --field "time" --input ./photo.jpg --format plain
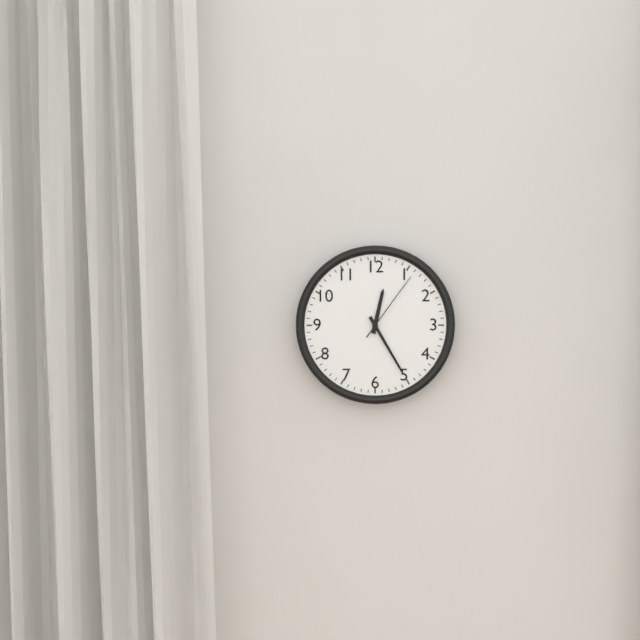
12:25:06
